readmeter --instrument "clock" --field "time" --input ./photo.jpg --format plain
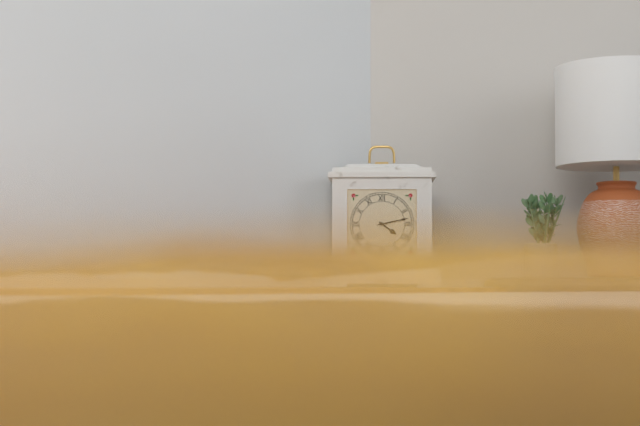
4:13
